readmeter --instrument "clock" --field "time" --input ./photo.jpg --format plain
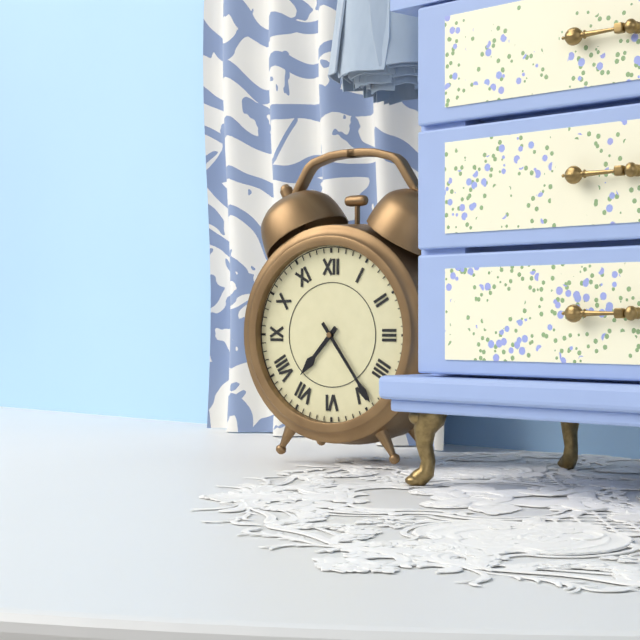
7:24
